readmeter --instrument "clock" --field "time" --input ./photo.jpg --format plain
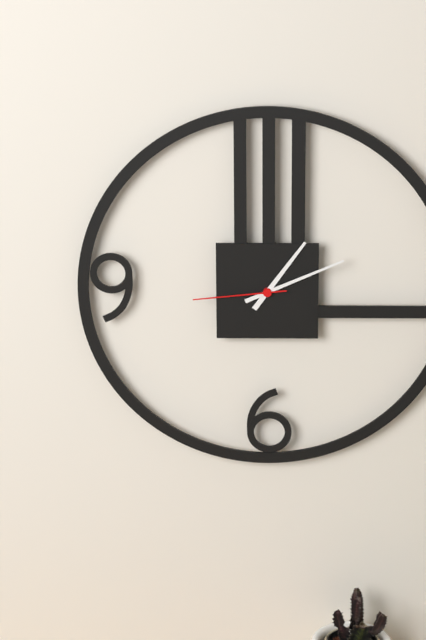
1:11:44
